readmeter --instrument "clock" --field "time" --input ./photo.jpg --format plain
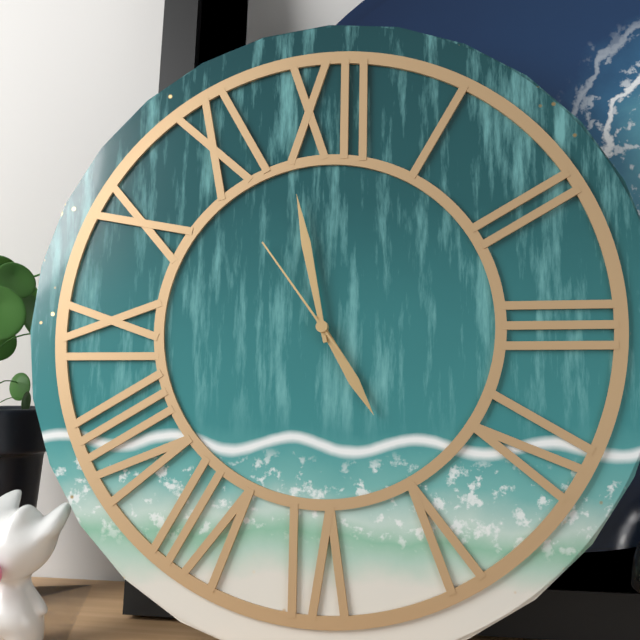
4:58:54
